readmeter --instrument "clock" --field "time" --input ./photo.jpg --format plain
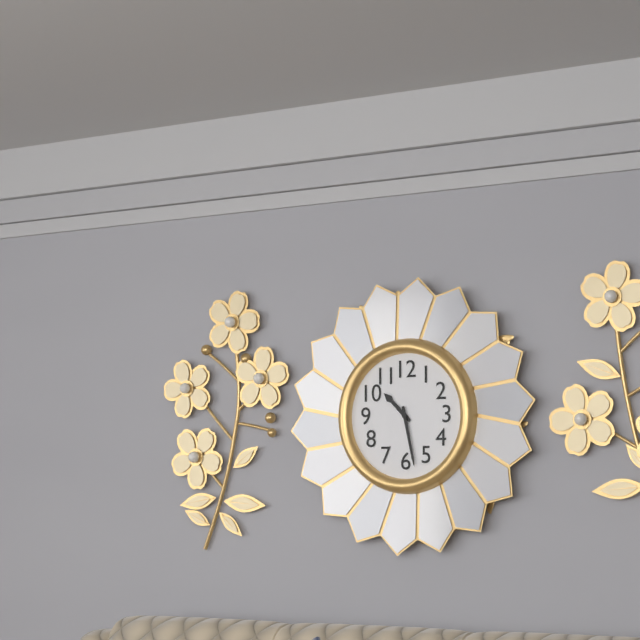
10:28
